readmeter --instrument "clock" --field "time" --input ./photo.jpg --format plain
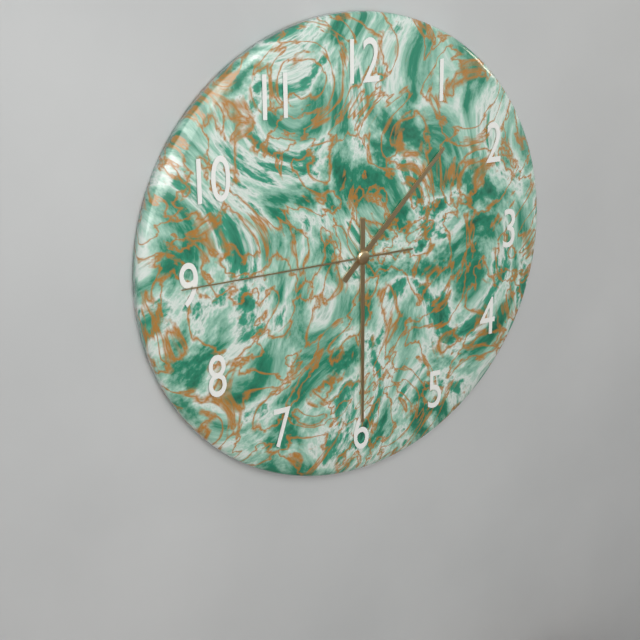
1:30:45
